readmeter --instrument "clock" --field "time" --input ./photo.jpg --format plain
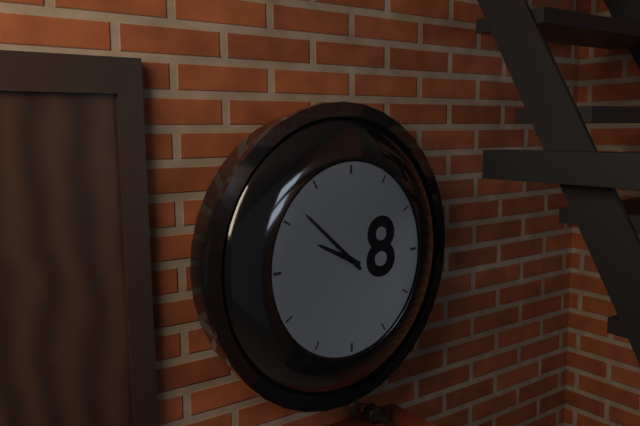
9:52
